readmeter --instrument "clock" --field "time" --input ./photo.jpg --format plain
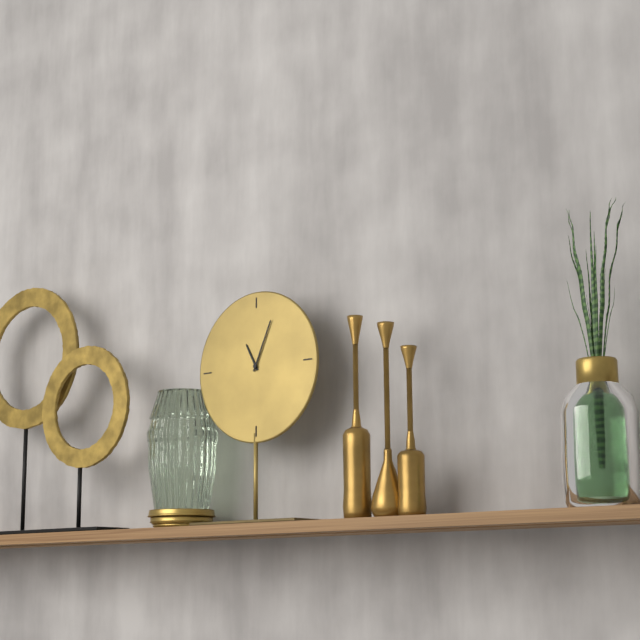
11:04
